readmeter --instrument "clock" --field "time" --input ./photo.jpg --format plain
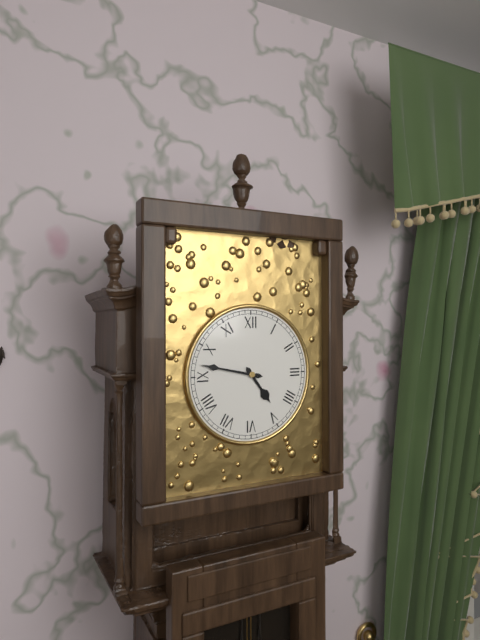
4:47
